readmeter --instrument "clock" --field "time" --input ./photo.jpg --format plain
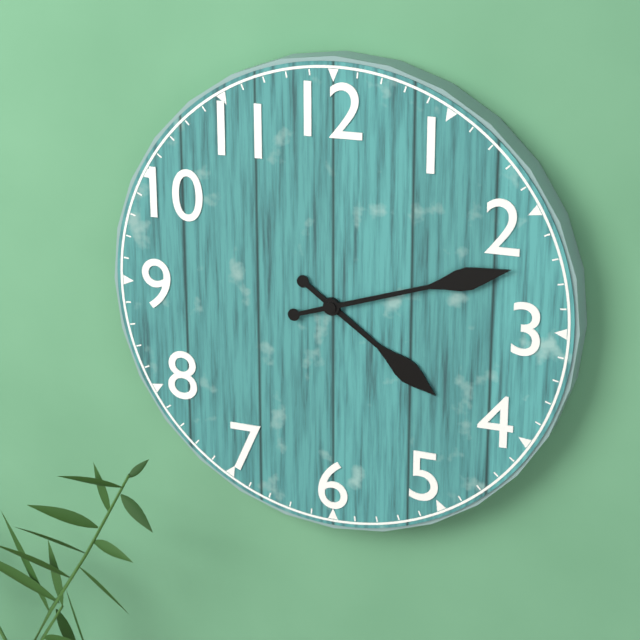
4:12
